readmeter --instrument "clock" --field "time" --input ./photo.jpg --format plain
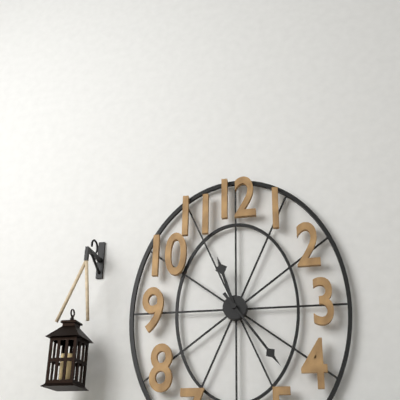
11:24
